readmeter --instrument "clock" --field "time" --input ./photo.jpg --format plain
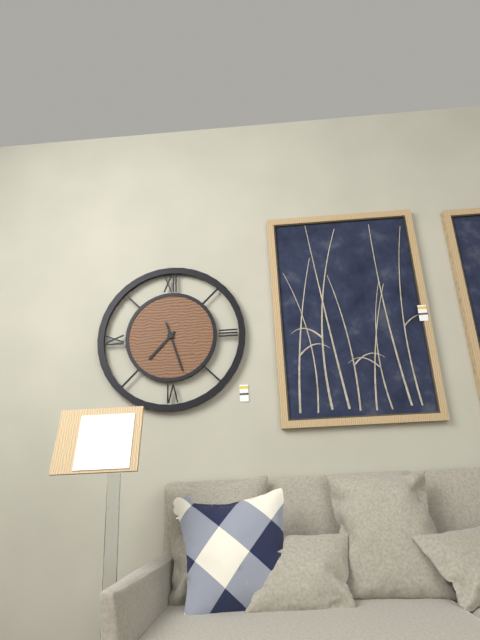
7:27
